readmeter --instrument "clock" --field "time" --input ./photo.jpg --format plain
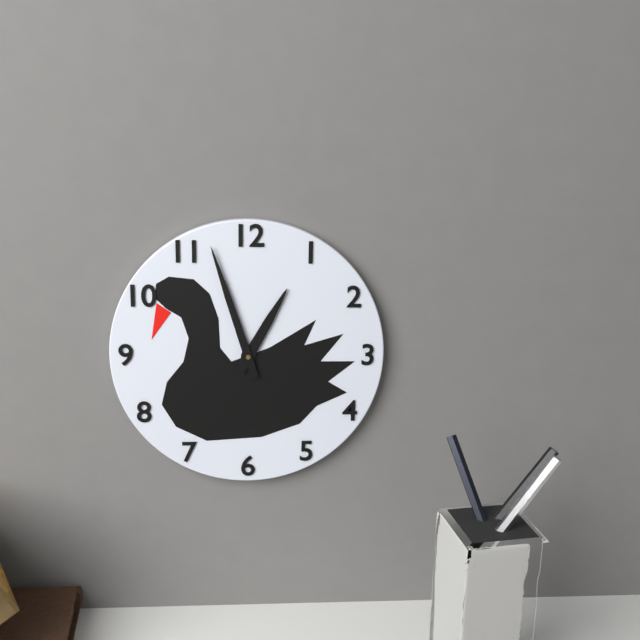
12:57
